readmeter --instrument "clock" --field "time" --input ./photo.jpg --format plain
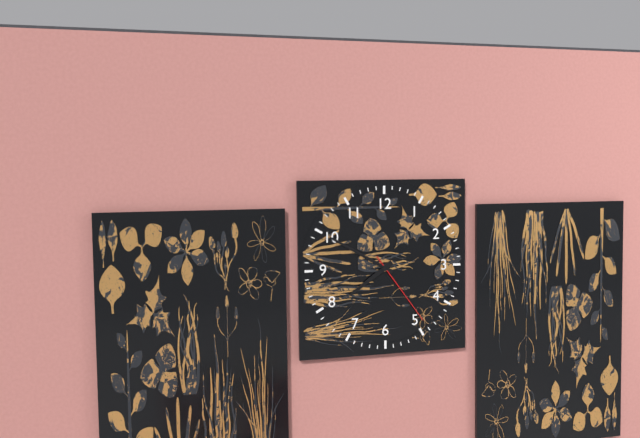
7:50:24
